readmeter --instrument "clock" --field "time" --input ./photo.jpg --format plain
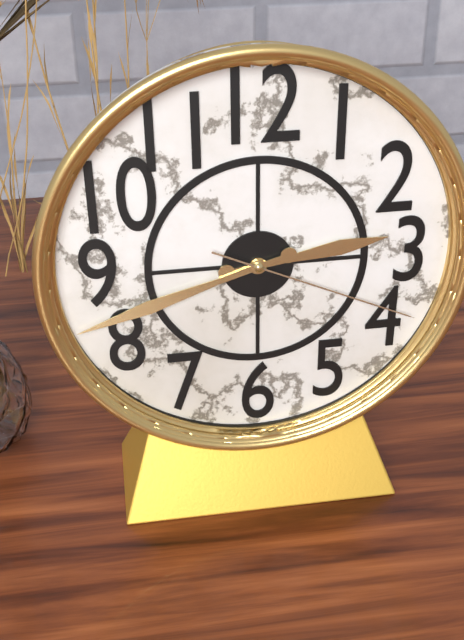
2:42:19
